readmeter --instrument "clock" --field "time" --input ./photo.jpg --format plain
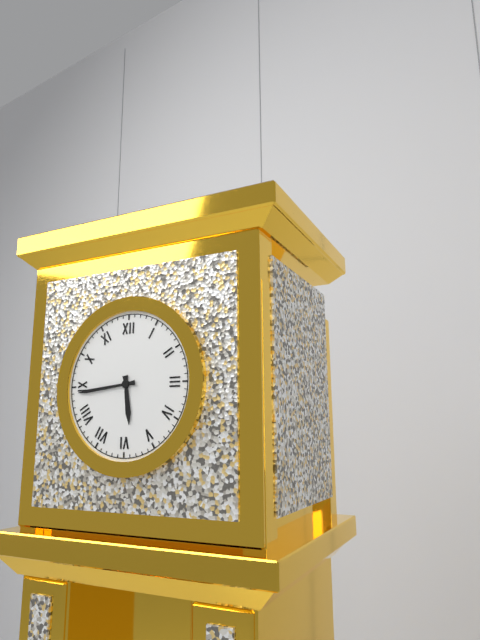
5:44
